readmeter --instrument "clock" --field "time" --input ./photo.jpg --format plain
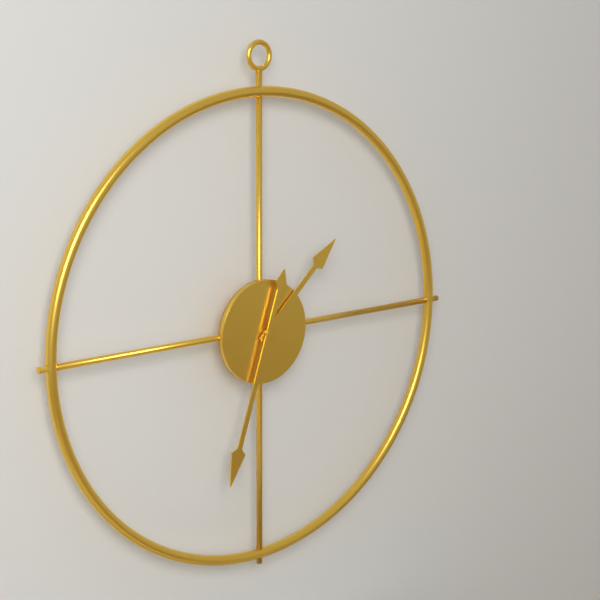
1:33
